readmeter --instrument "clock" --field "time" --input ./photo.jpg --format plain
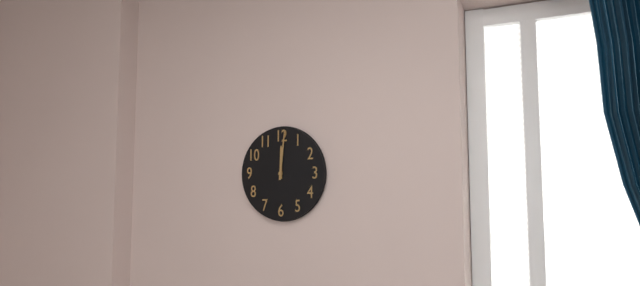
12:01
